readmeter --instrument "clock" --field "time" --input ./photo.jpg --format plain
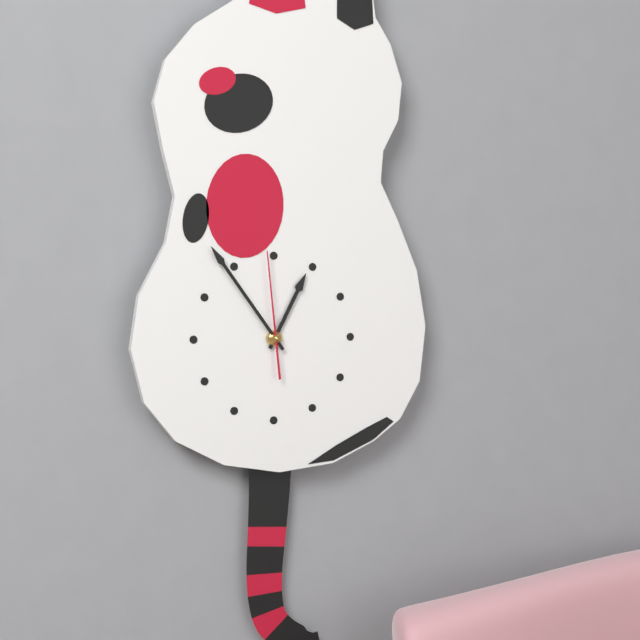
12:54:59
